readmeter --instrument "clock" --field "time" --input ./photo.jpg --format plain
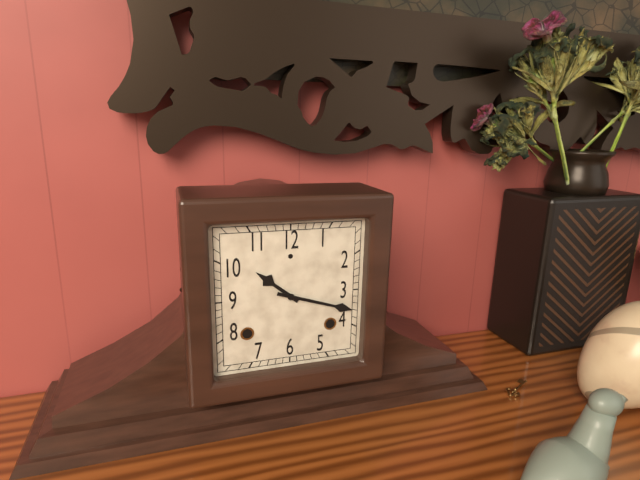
10:18
